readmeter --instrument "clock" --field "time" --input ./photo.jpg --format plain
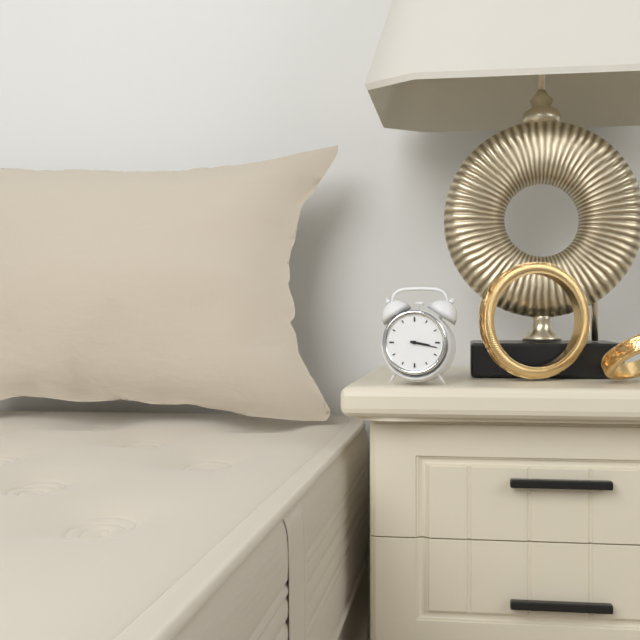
3:17
